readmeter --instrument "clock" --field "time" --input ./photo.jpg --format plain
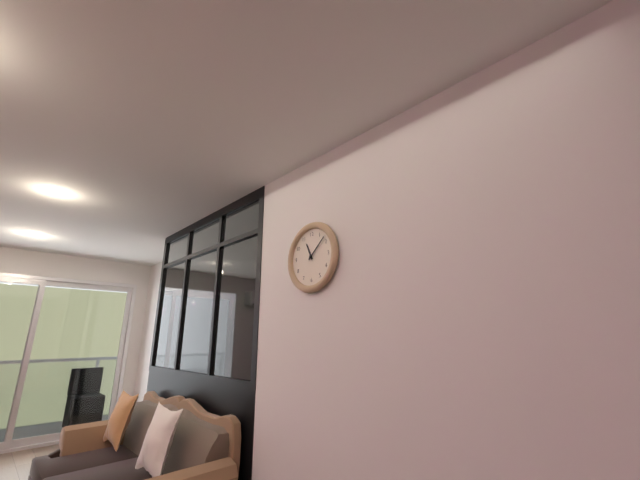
11:08
